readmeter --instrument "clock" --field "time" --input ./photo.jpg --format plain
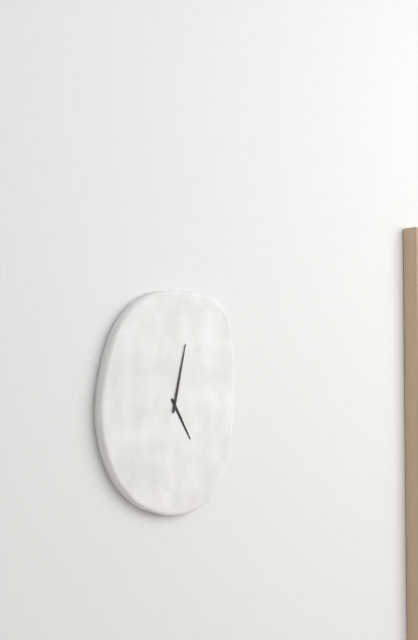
5:02
